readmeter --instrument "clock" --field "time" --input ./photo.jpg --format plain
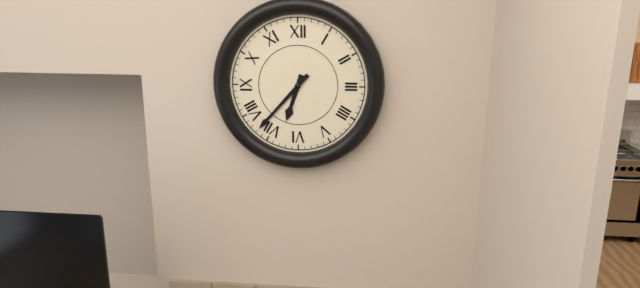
6:37
